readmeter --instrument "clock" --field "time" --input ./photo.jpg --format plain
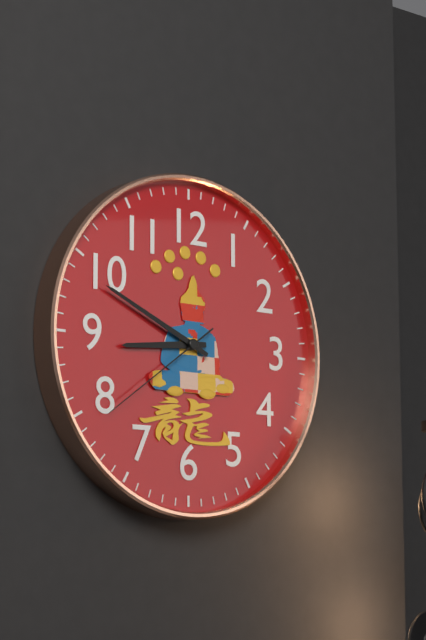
8:49:39
